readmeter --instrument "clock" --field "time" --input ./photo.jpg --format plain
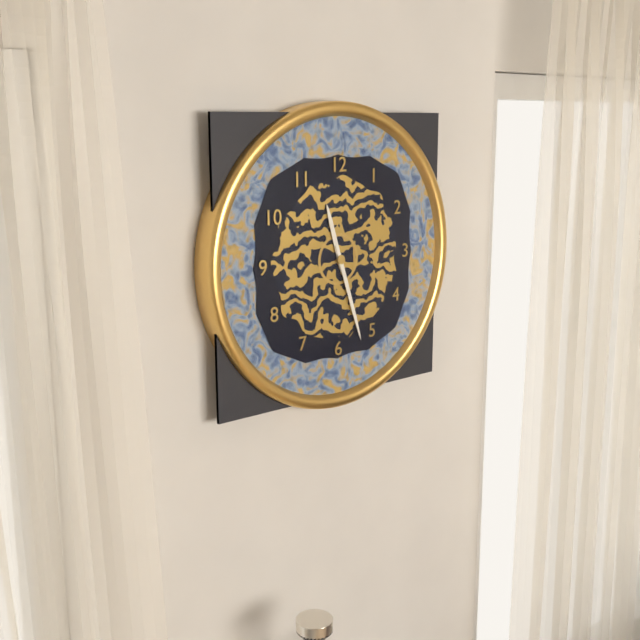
11:27
